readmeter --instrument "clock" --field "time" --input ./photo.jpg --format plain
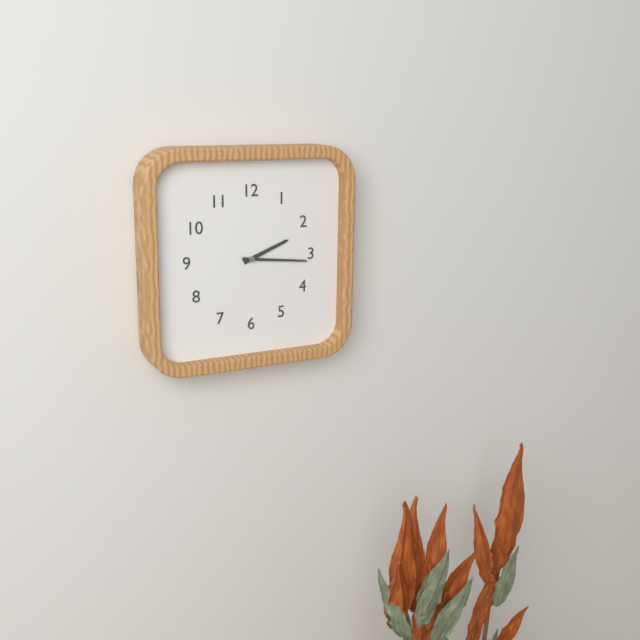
2:16
